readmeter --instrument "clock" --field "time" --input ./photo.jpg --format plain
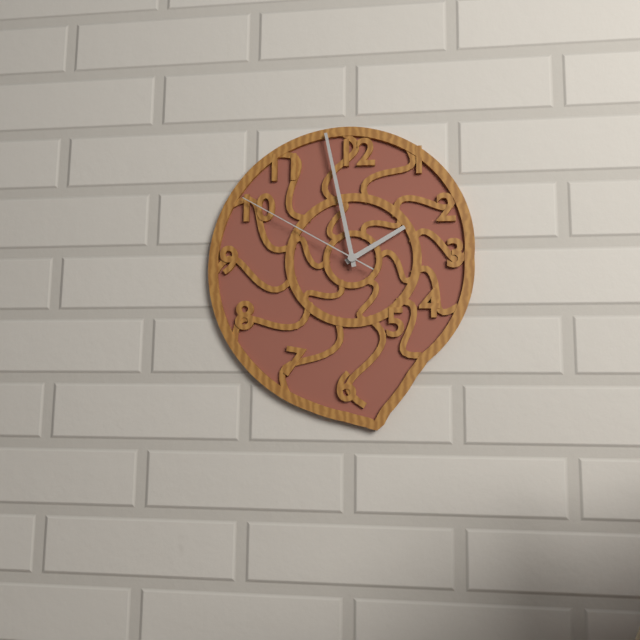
1:58:50
